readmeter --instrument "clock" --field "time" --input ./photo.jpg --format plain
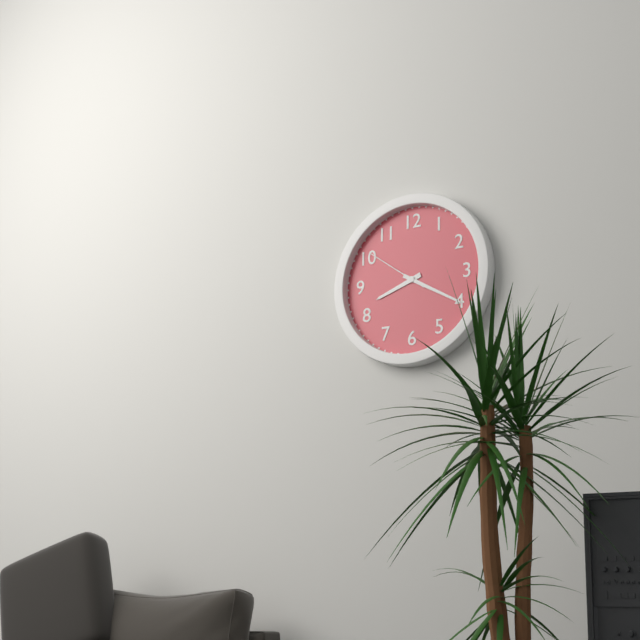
8:20:51
